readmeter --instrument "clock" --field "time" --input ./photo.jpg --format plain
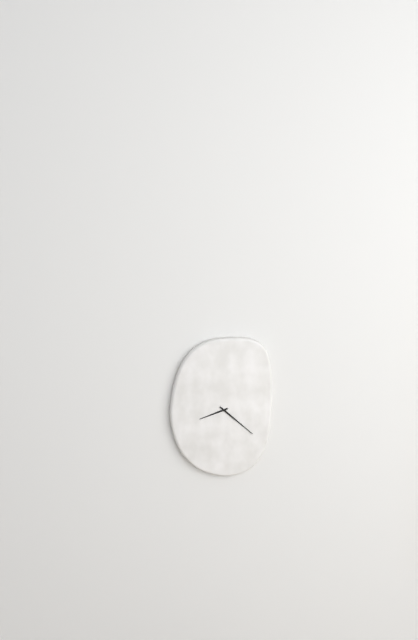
8:22
